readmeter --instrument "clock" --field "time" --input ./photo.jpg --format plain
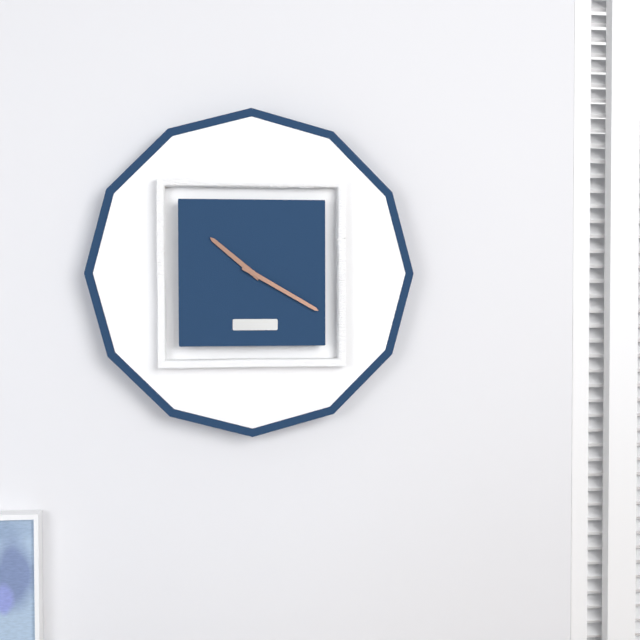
10:20
